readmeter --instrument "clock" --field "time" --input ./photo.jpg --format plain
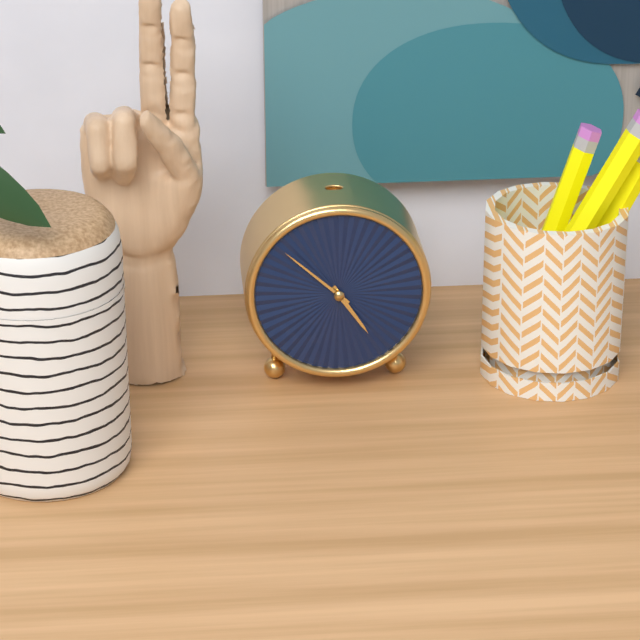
4:52
